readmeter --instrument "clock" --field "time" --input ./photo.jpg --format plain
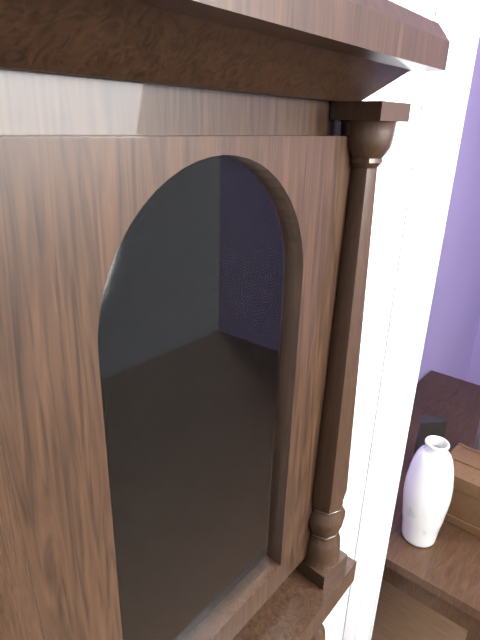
1:17
